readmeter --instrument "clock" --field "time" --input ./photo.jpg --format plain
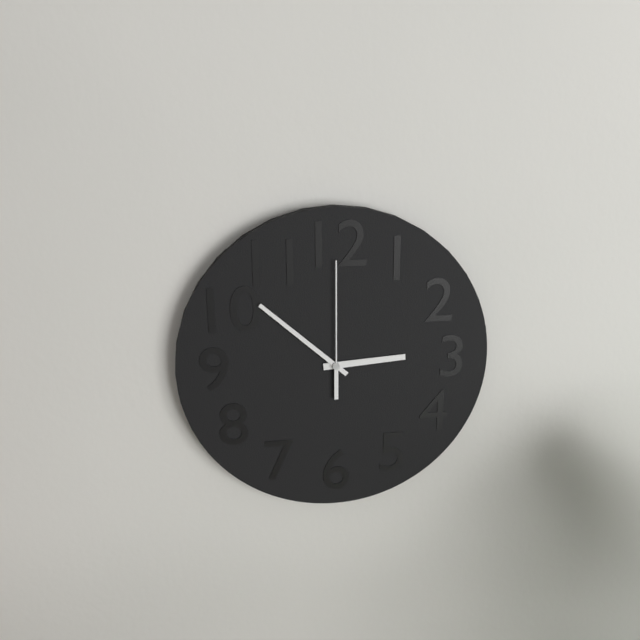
2:52:00
